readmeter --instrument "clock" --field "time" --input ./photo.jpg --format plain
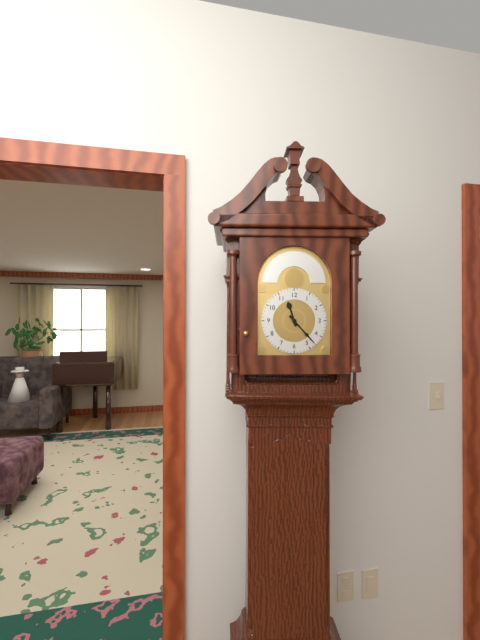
11:23
